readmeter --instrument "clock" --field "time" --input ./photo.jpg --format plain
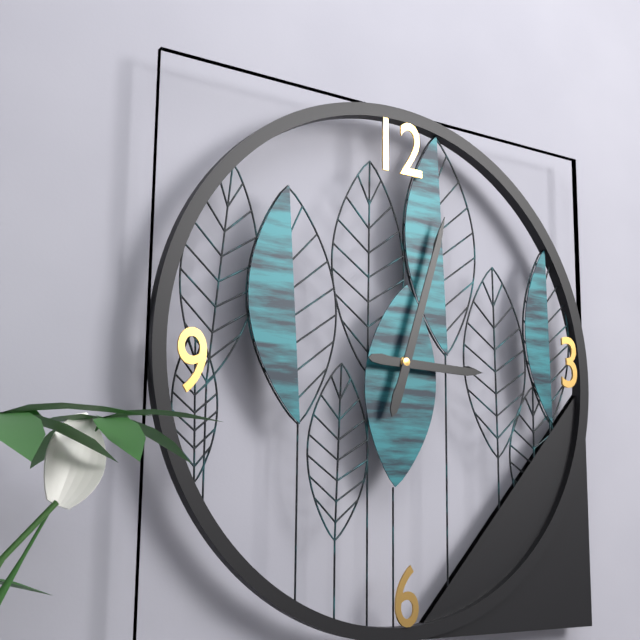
3:03
